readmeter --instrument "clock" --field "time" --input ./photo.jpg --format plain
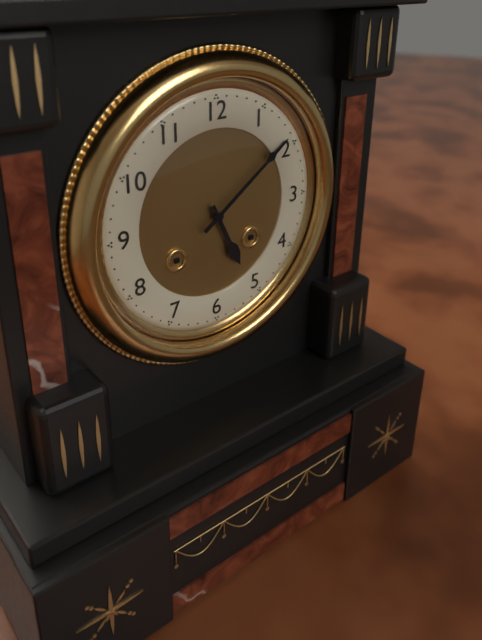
5:09
